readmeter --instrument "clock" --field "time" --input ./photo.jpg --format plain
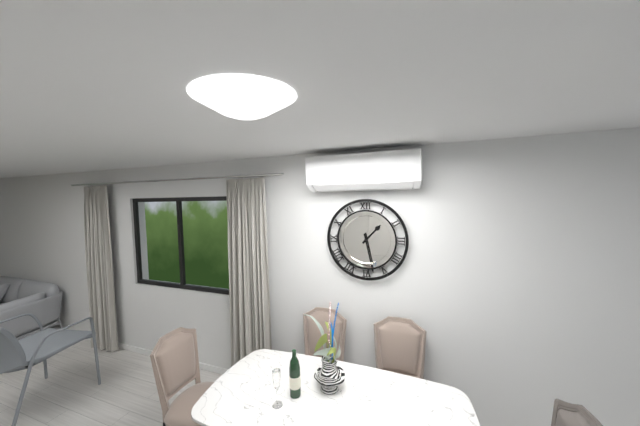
1:28
